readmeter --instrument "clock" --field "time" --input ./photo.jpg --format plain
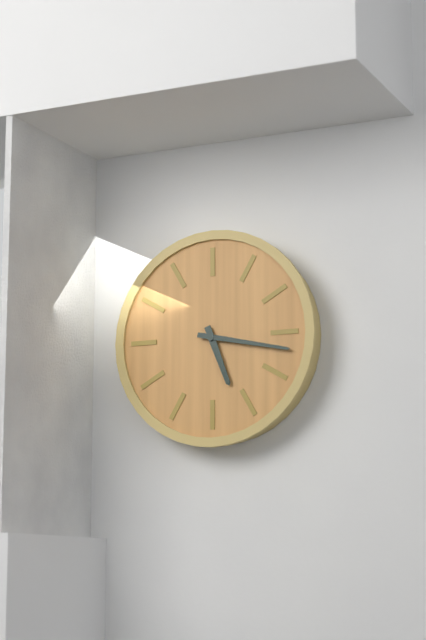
5:17
